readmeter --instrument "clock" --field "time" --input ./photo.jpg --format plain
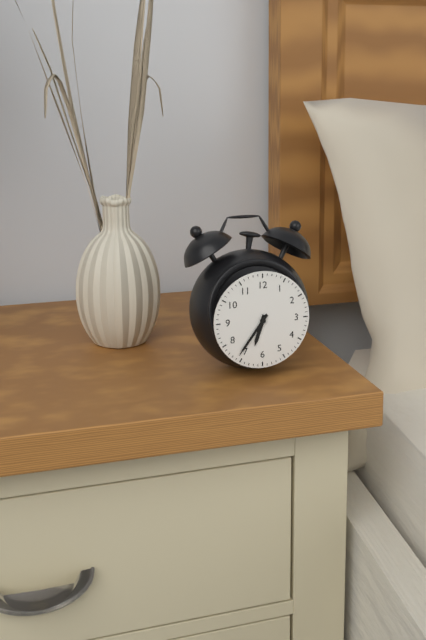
6:36
